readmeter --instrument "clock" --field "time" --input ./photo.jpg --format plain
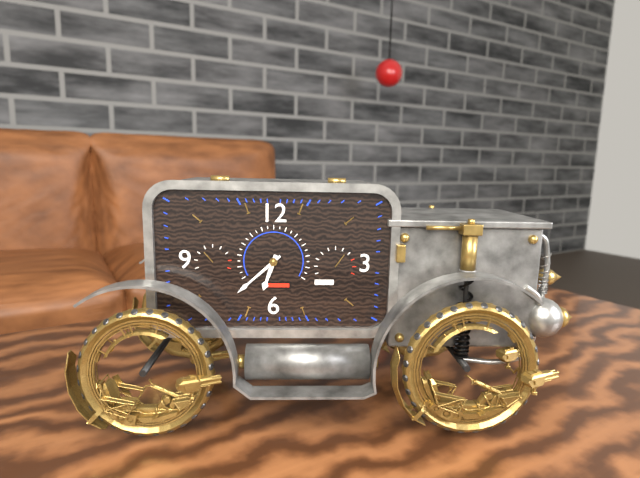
6:38
